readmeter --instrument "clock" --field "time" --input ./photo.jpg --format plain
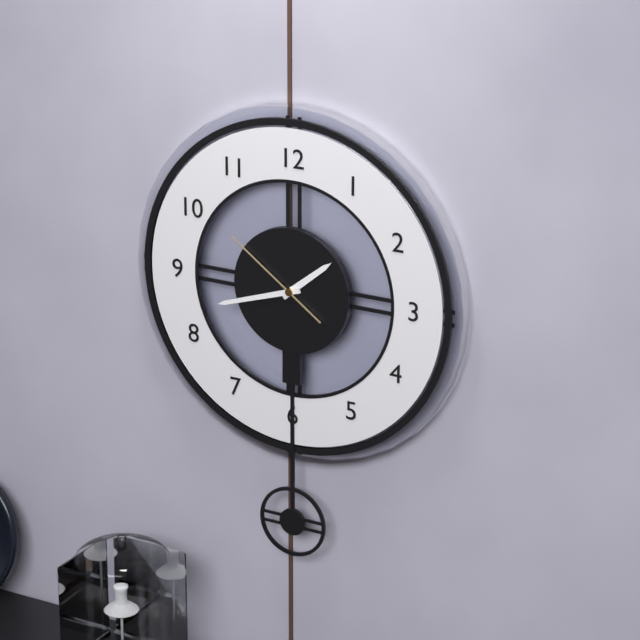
1:42:51
